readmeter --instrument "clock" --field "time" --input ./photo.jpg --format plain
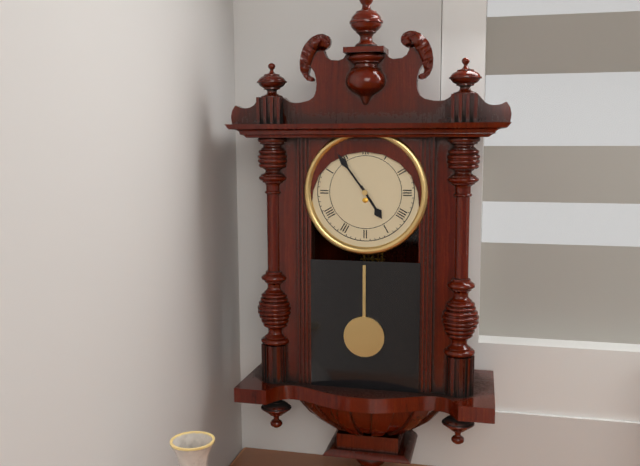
4:54
